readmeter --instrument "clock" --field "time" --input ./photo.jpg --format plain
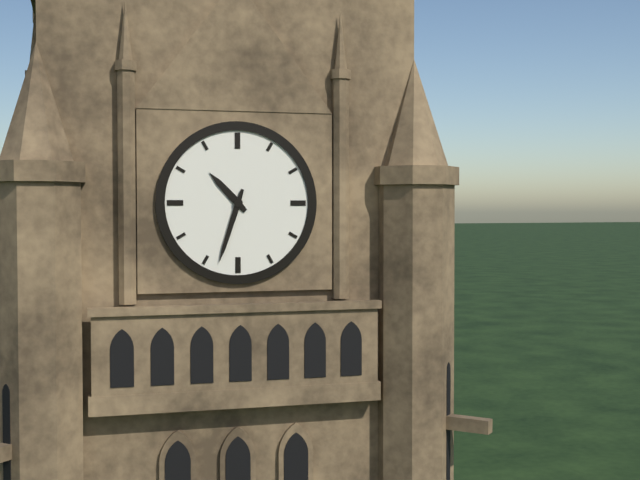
10:33
